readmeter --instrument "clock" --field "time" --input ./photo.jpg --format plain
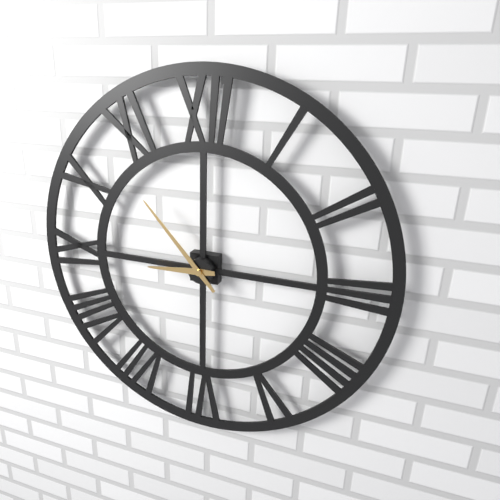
8:53
